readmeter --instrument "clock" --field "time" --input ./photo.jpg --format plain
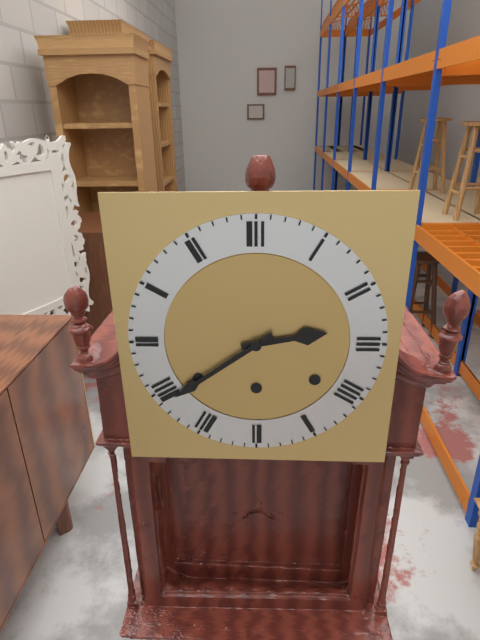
2:39
